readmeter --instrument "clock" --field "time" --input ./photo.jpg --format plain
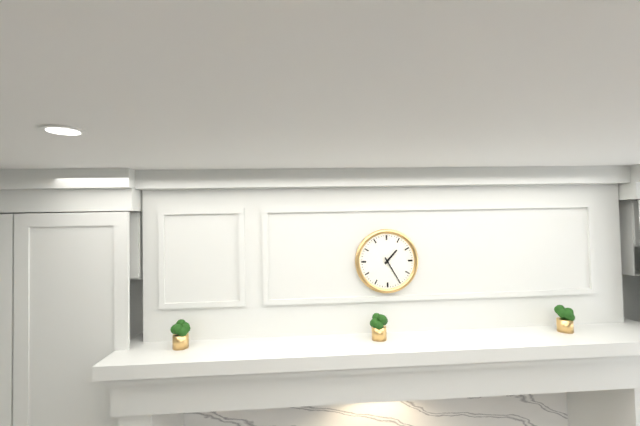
1:25
